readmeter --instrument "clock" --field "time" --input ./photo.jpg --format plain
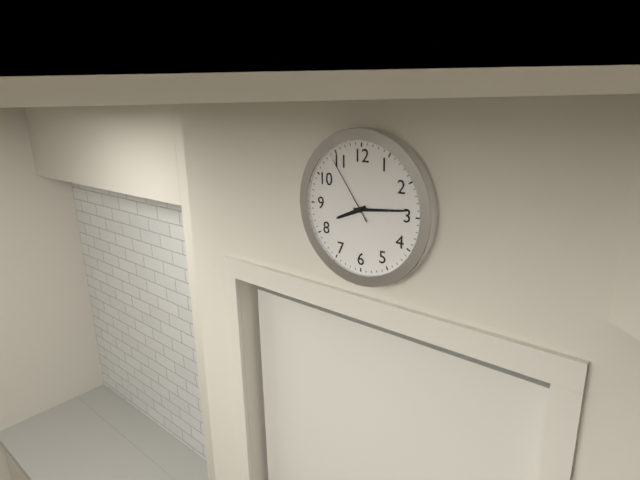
8:14:54
